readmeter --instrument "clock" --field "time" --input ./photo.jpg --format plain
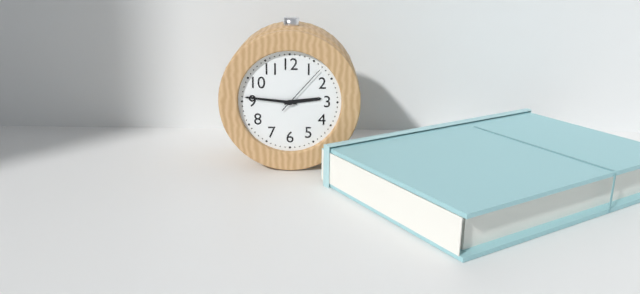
2:46:07
